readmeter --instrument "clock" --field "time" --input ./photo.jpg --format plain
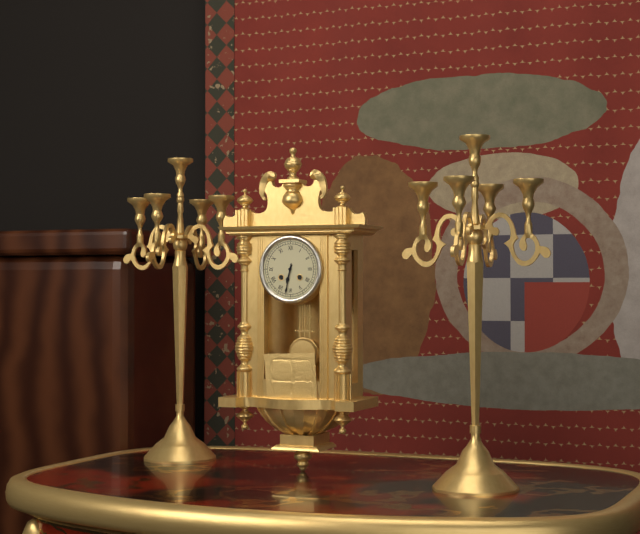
6:32
